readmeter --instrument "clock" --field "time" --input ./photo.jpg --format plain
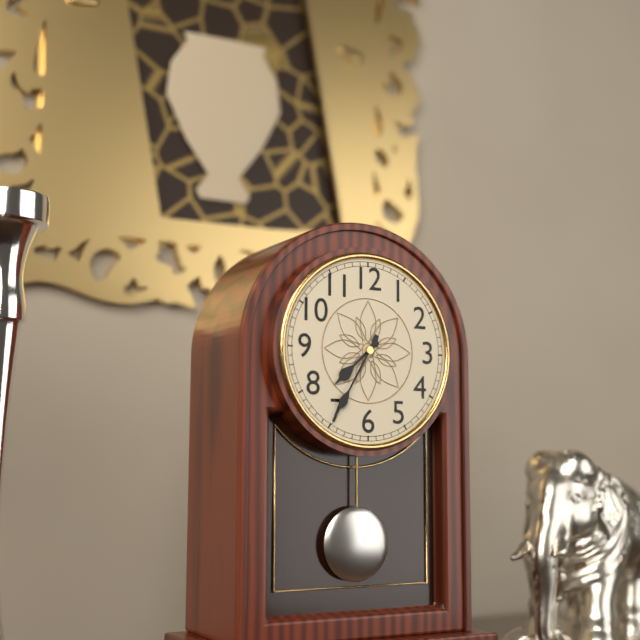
7:35
